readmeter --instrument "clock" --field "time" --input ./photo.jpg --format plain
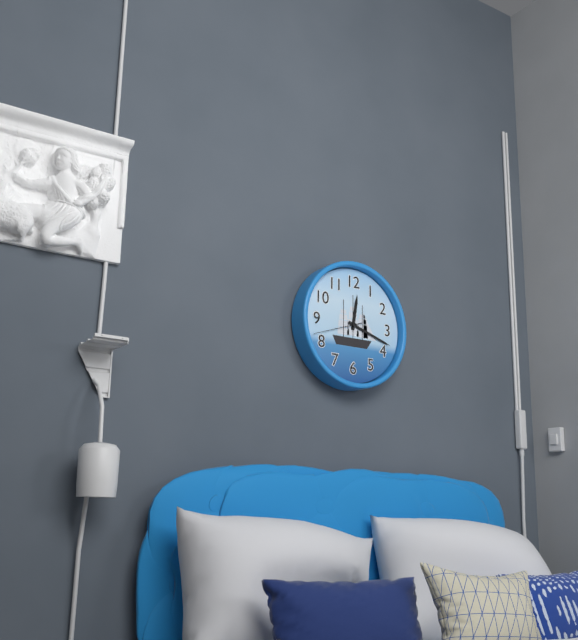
12:18:42
